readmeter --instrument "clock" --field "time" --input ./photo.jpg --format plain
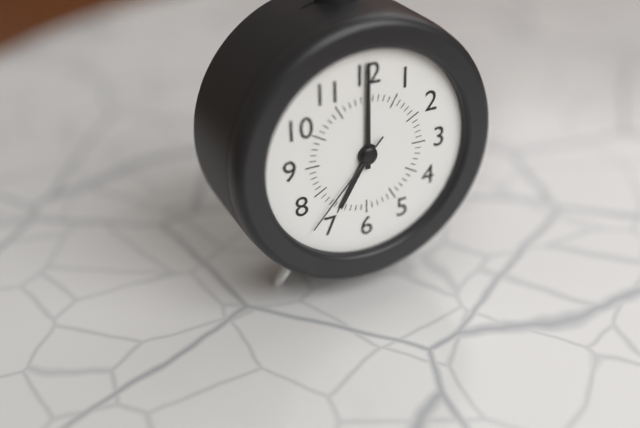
7:00:37
